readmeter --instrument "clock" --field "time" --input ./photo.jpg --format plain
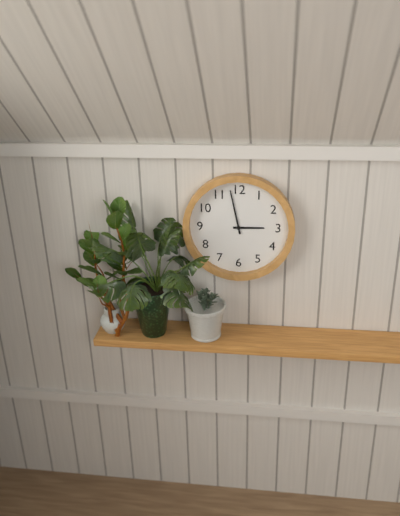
2:58
